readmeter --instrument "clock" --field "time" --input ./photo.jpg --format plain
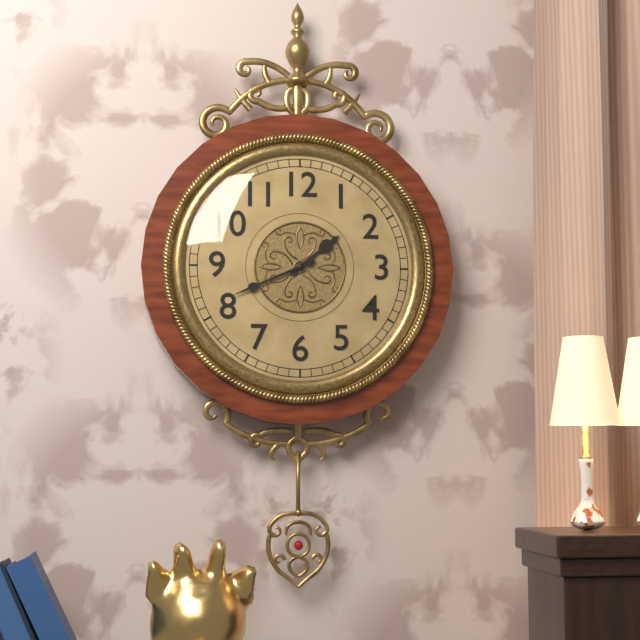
1:41
